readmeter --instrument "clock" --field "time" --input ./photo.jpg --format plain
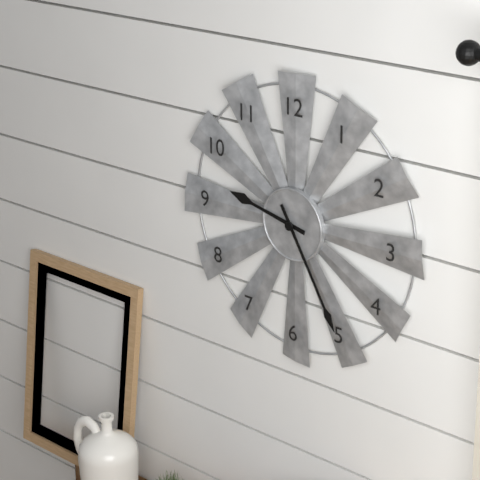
9:25
